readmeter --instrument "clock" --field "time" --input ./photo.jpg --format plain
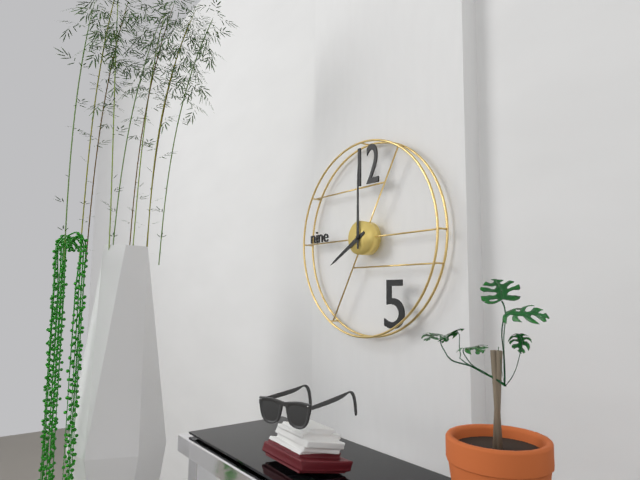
8:00
